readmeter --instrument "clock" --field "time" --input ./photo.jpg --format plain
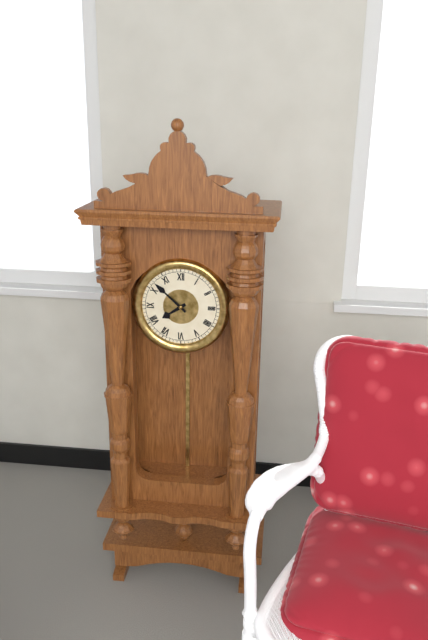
7:52
